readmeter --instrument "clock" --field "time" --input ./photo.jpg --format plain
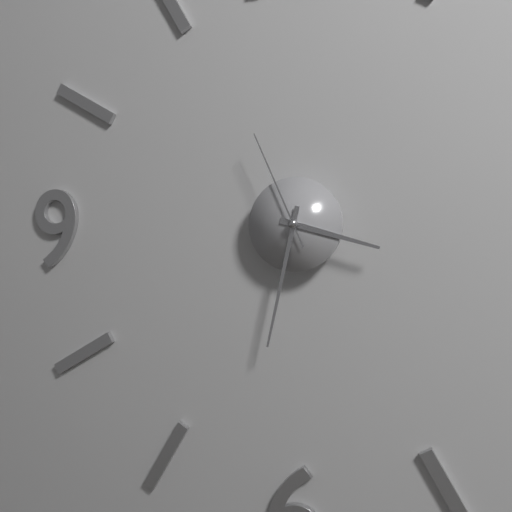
3:32:56
